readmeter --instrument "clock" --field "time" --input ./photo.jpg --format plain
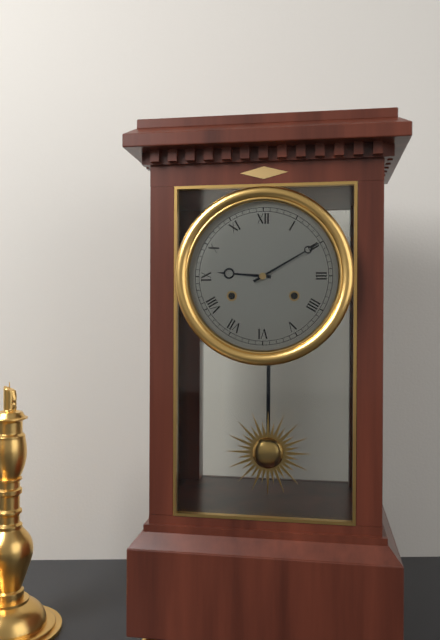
9:10
